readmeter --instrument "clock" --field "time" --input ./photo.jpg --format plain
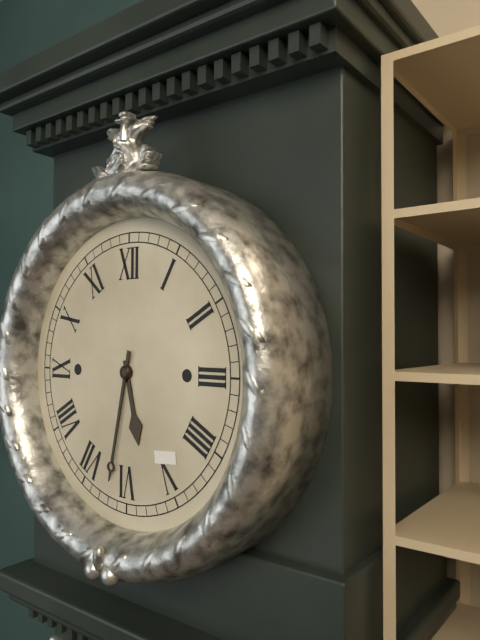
5:32
